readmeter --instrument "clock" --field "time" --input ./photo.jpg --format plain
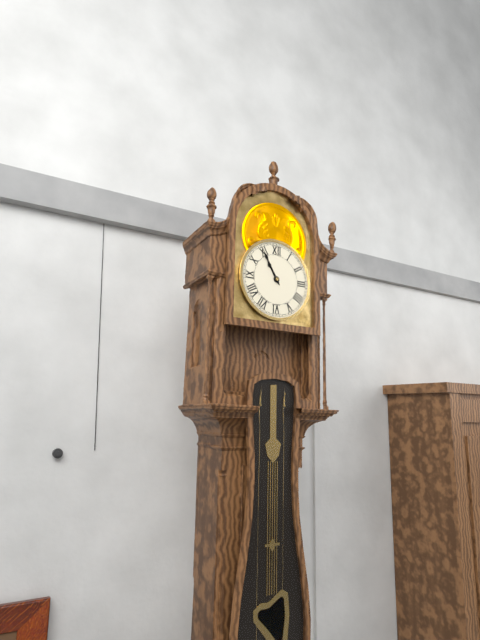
10:55
